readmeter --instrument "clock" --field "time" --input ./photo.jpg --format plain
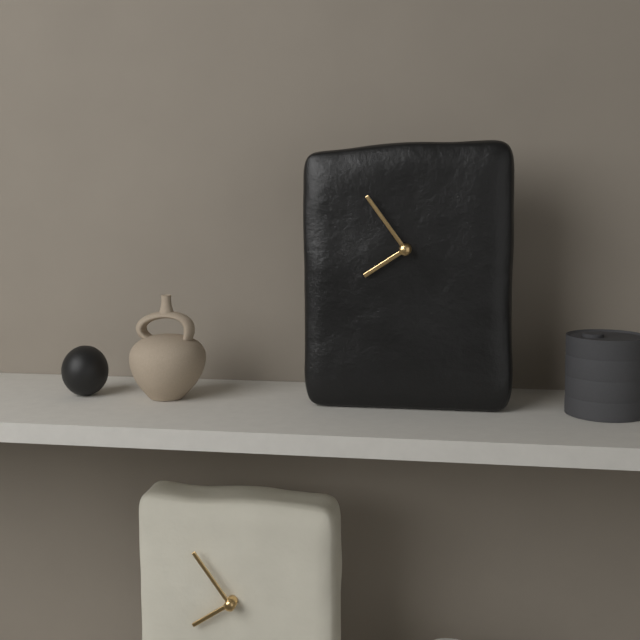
7:54
